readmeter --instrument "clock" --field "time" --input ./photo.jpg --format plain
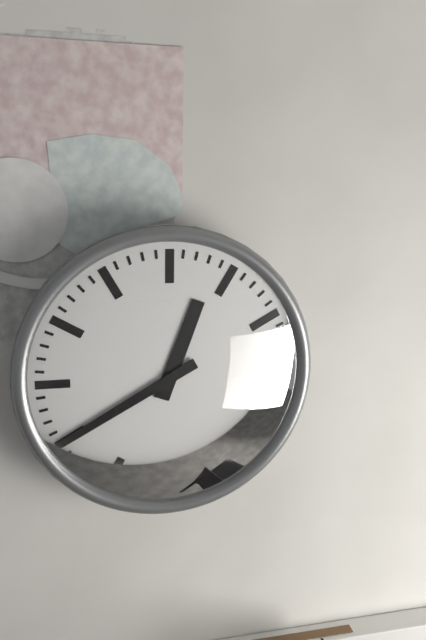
12:40
